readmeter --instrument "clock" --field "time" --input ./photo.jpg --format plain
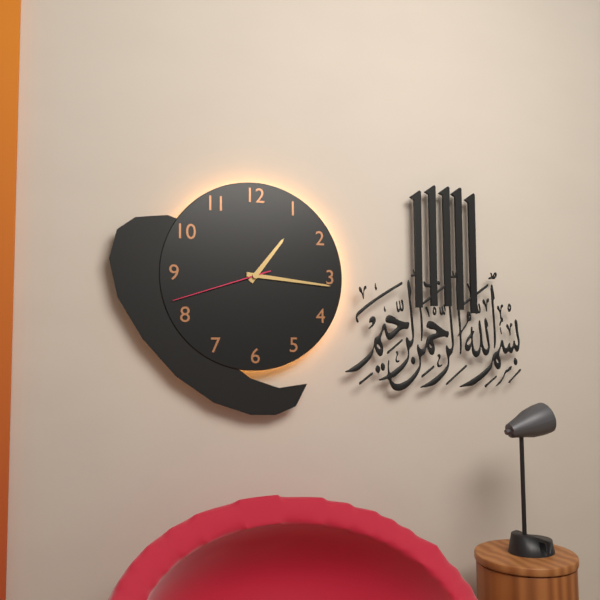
1:16:42
